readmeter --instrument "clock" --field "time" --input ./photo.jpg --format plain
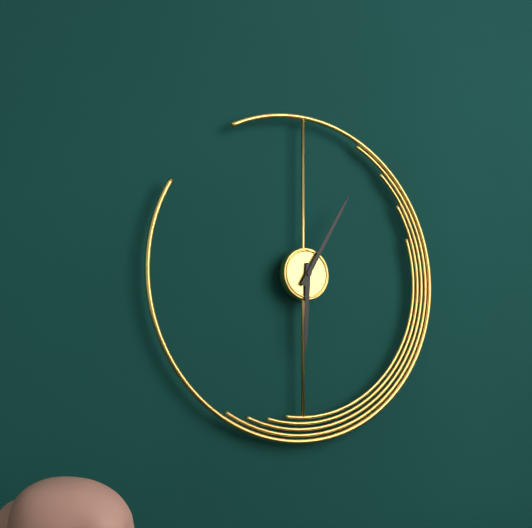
6:05
